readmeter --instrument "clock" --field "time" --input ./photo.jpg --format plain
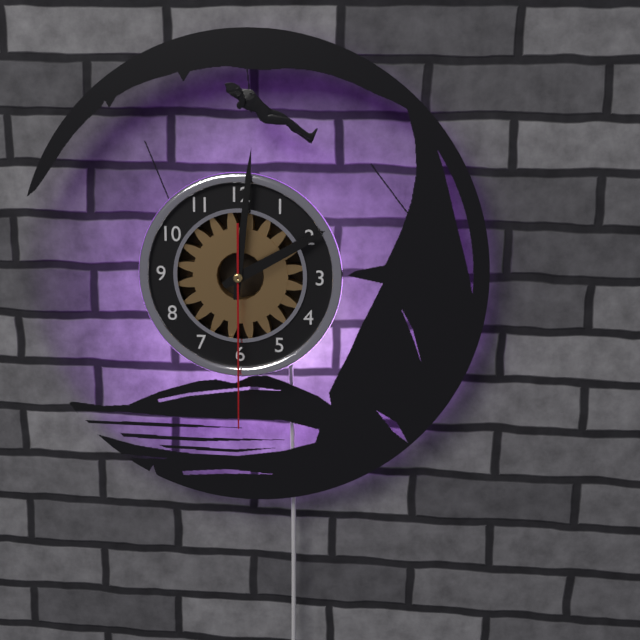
2:01:30
